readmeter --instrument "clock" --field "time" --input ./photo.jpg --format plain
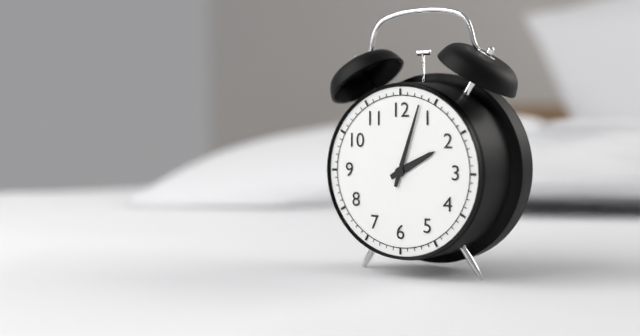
2:03
